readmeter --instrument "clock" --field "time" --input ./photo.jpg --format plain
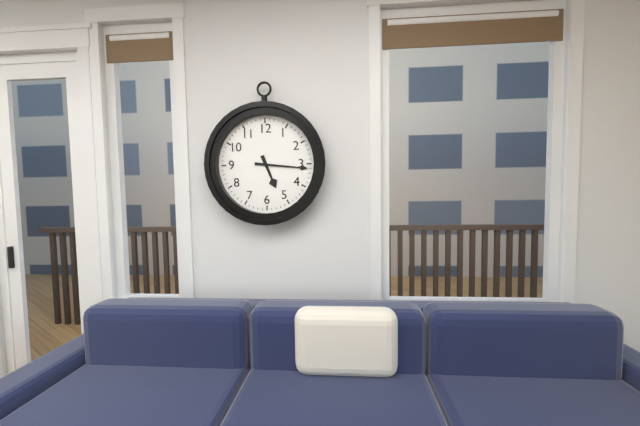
5:16
